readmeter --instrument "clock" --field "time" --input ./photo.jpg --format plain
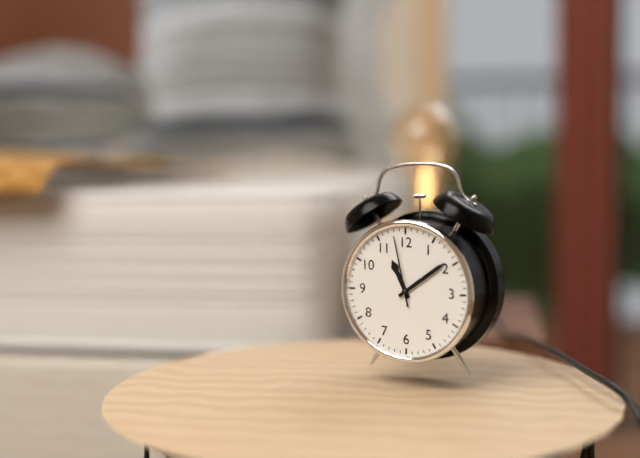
11:09:58
